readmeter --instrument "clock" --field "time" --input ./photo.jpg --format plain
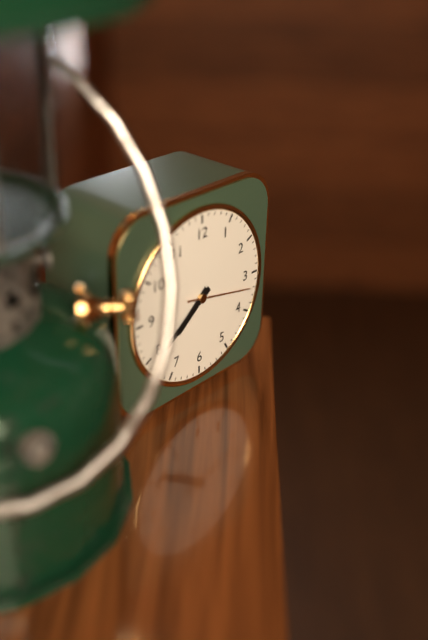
7:39:17
